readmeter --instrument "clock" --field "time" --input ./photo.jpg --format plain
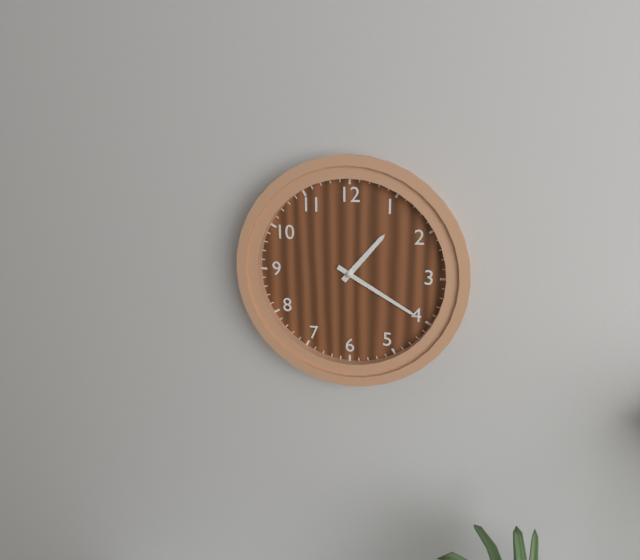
1:20
